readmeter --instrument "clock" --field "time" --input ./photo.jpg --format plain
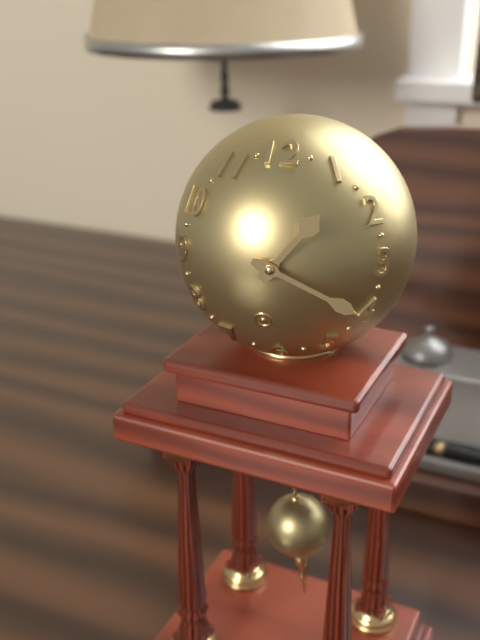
1:19
